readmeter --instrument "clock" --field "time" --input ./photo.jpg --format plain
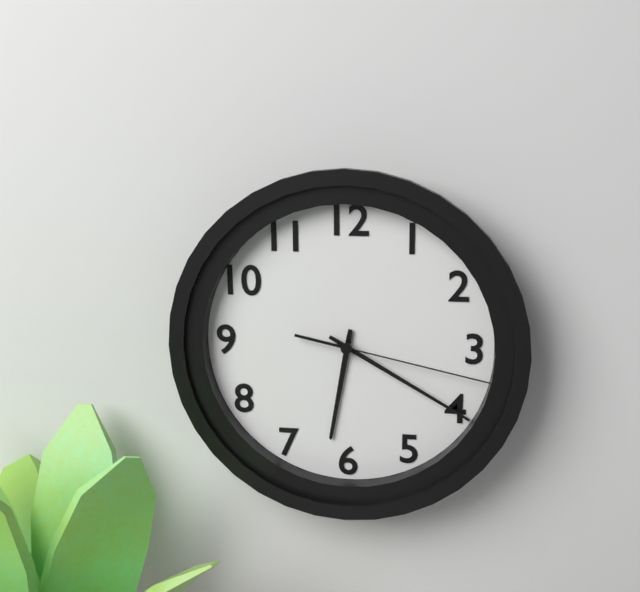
6:20:17
